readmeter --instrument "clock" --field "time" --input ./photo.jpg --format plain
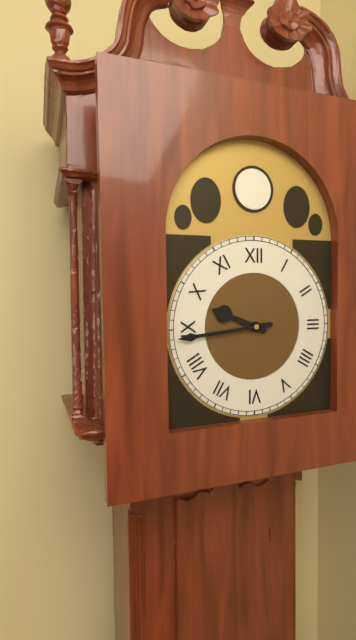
9:44
